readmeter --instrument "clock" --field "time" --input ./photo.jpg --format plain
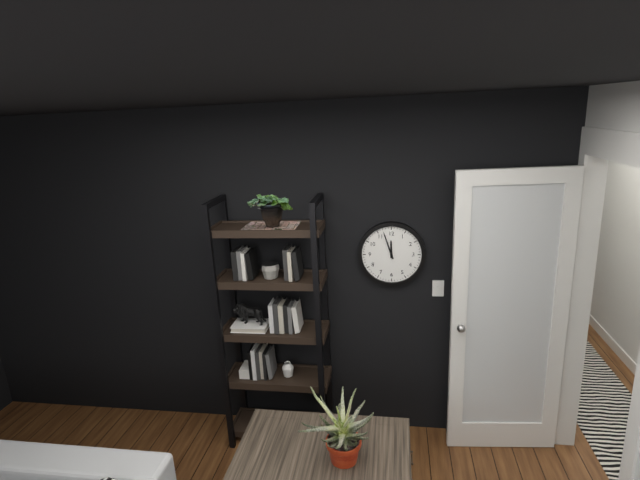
11:57
